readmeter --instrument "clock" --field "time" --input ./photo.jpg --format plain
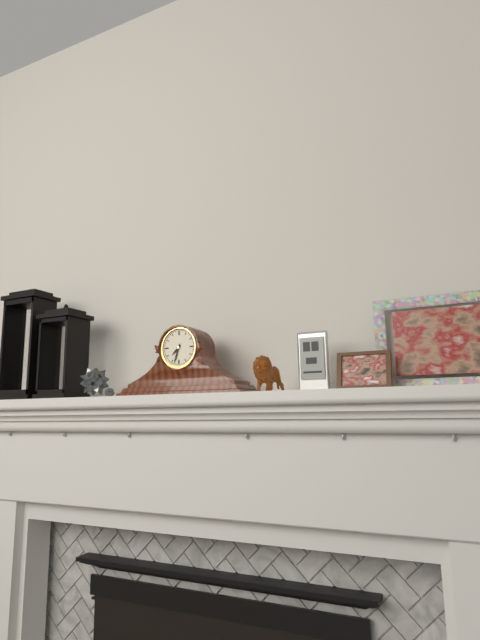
7:33
